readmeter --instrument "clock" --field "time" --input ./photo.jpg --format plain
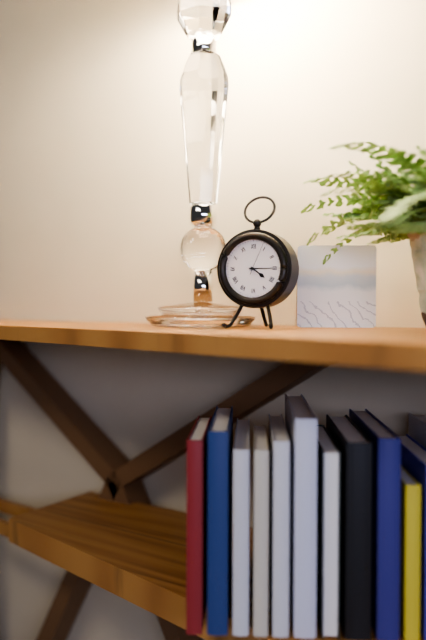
4:15
